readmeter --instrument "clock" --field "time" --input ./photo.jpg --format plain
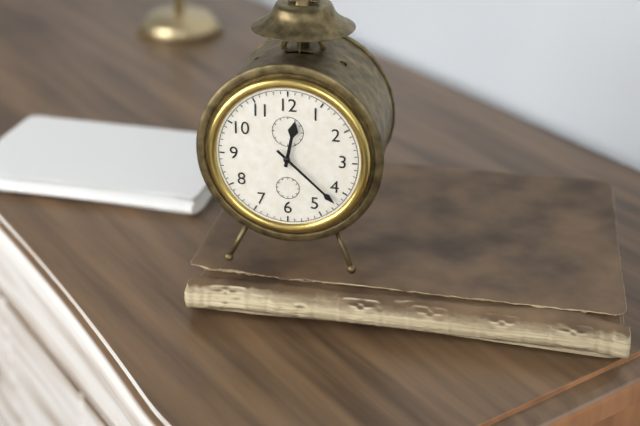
12:22
